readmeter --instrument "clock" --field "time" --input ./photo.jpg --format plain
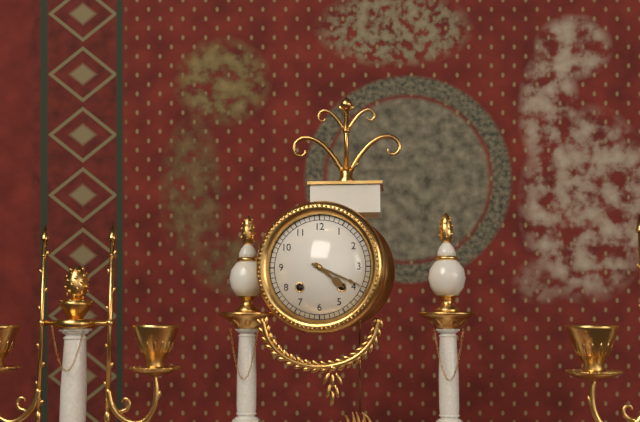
4:19
